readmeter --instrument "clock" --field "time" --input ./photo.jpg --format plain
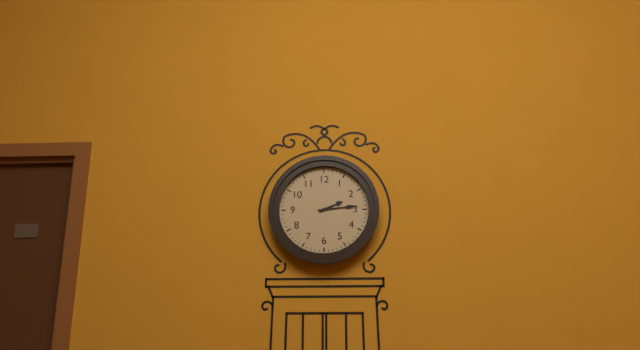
2:14
